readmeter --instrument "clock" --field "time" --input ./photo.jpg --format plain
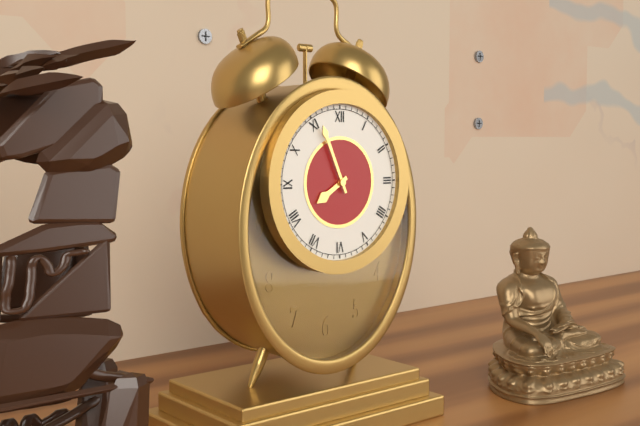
7:56
